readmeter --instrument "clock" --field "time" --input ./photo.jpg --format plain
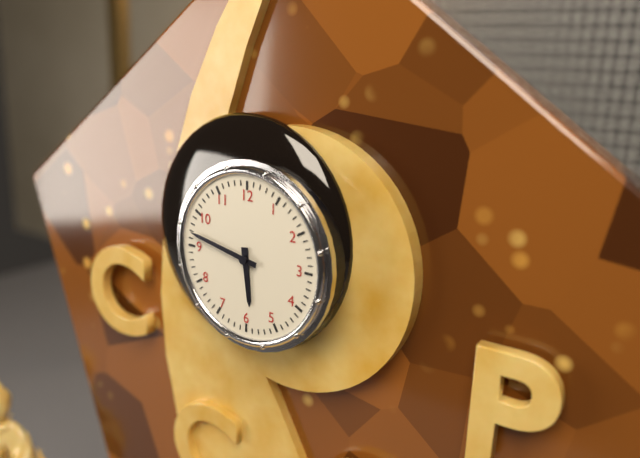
5:47
